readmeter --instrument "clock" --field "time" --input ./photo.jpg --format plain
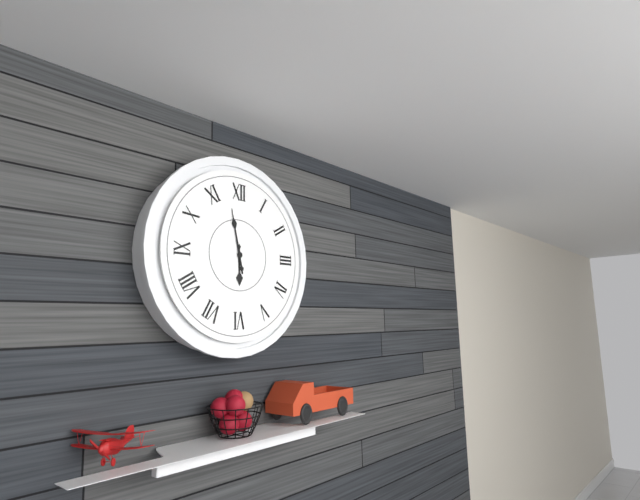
5:58
